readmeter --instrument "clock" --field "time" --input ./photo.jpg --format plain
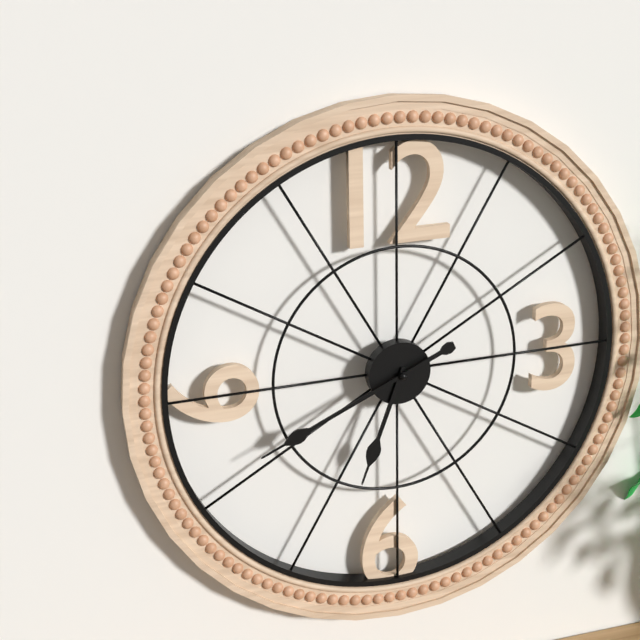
6:41
